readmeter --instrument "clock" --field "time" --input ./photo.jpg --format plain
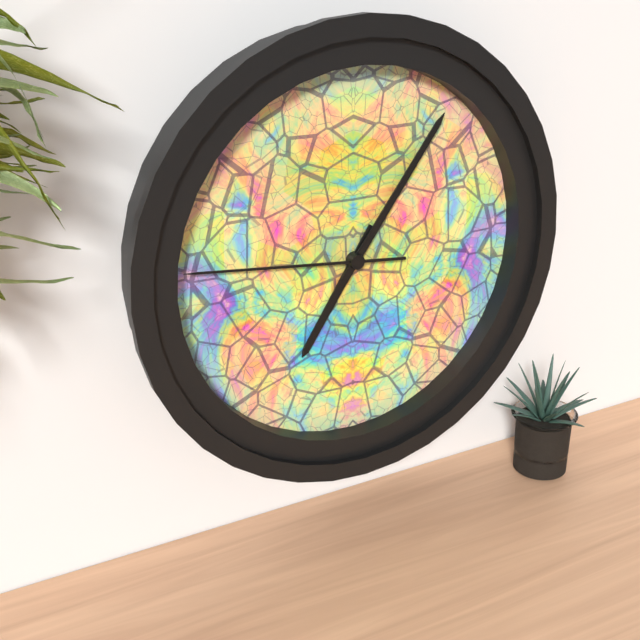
7:06:46
